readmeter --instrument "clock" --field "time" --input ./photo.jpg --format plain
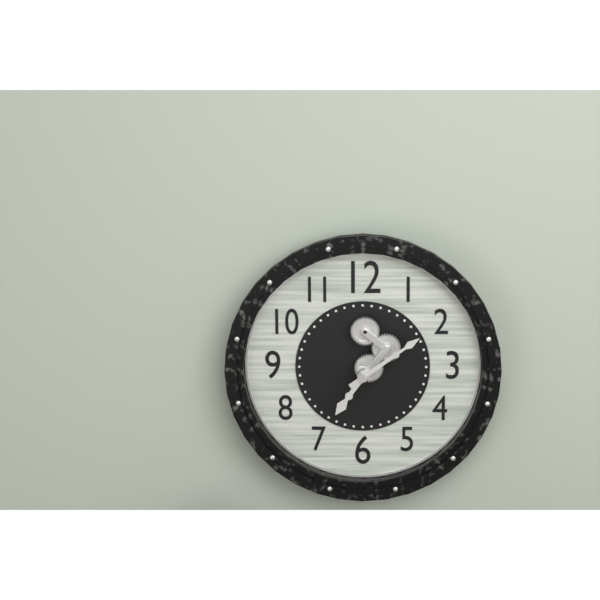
7:09
